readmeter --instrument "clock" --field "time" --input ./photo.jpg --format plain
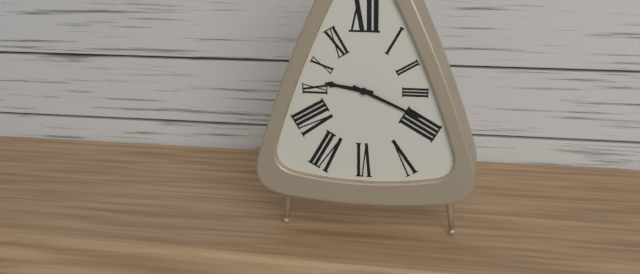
9:19
